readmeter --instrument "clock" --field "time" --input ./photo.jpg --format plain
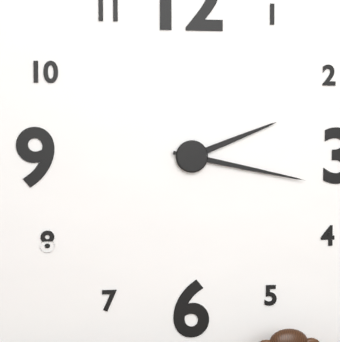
2:17
